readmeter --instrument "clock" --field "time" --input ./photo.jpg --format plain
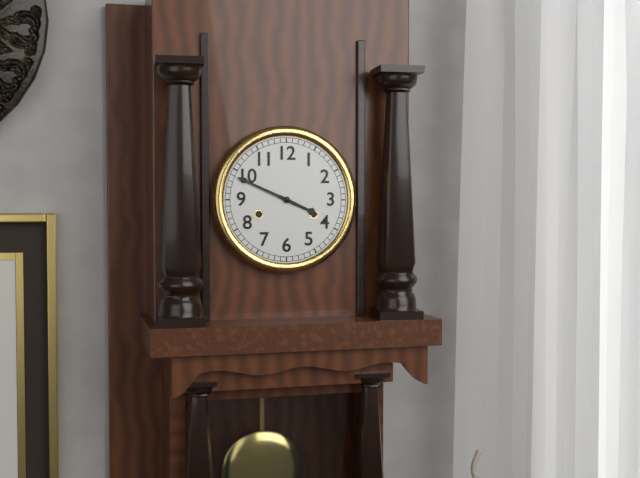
3:49
